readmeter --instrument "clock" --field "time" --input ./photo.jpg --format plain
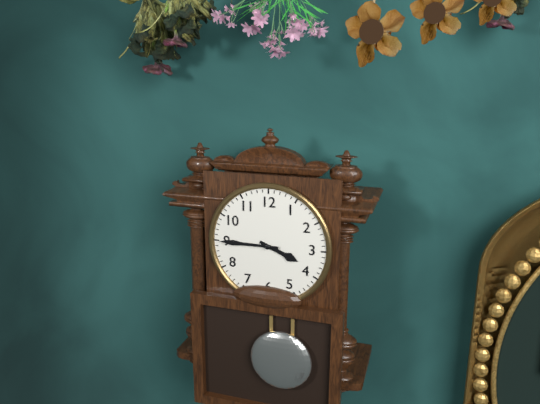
3:45
